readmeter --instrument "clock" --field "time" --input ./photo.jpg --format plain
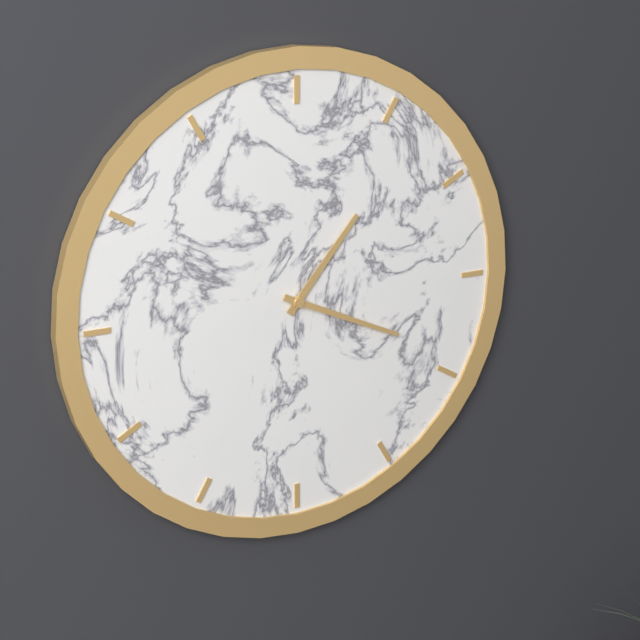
1:19
